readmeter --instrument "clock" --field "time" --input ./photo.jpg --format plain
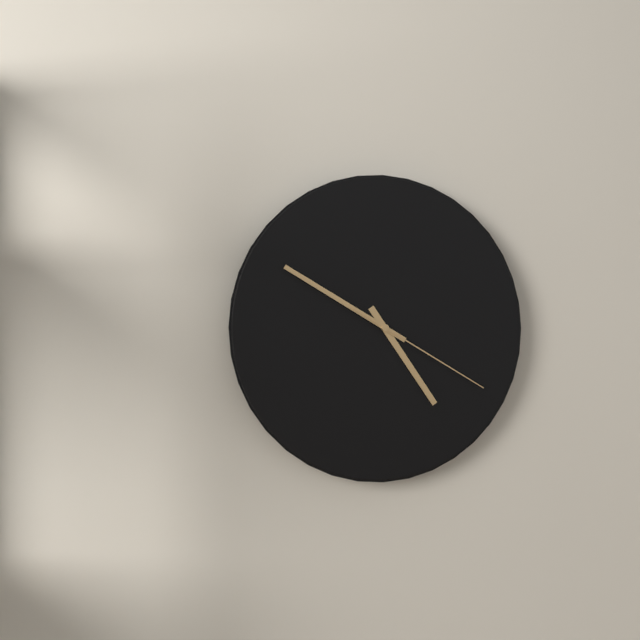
4:50:20
